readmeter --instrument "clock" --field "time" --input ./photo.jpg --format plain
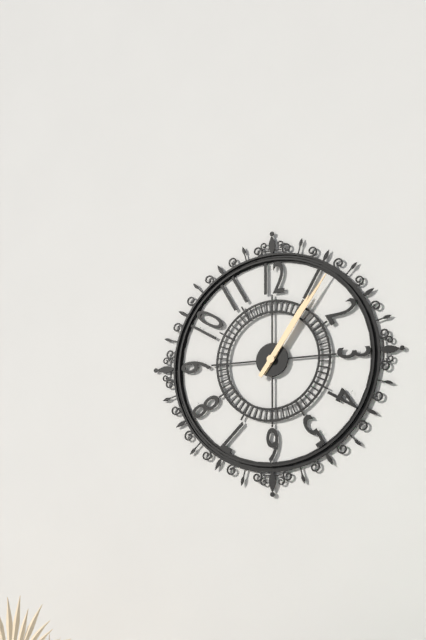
1:06
